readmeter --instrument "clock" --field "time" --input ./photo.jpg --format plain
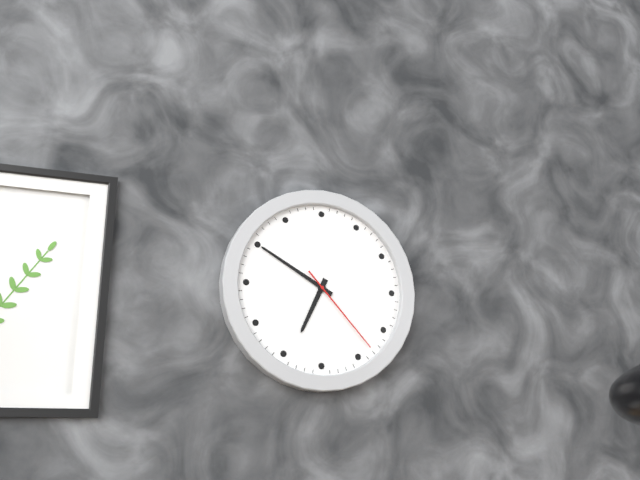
6:50:23
